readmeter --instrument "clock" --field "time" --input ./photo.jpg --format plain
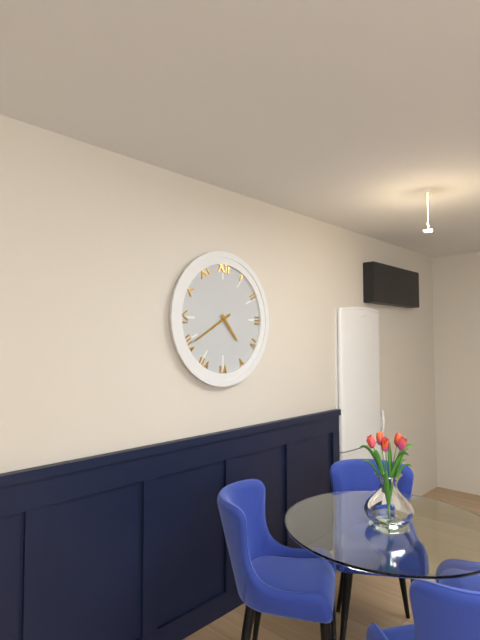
4:40
